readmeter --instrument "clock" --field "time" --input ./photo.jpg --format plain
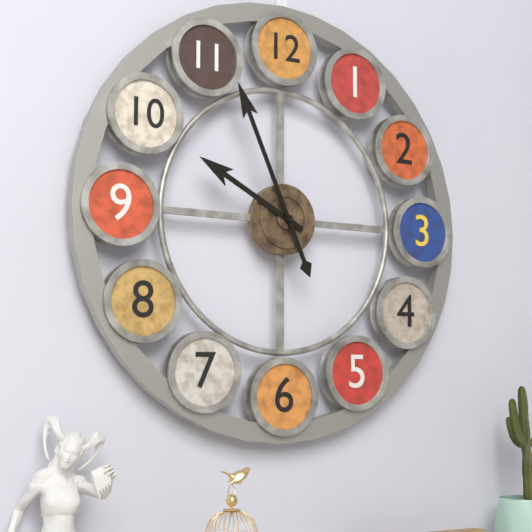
9:56
